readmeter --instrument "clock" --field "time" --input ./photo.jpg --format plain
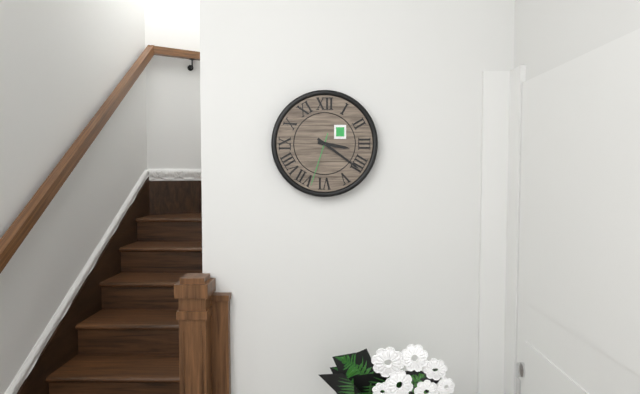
3:21:33
